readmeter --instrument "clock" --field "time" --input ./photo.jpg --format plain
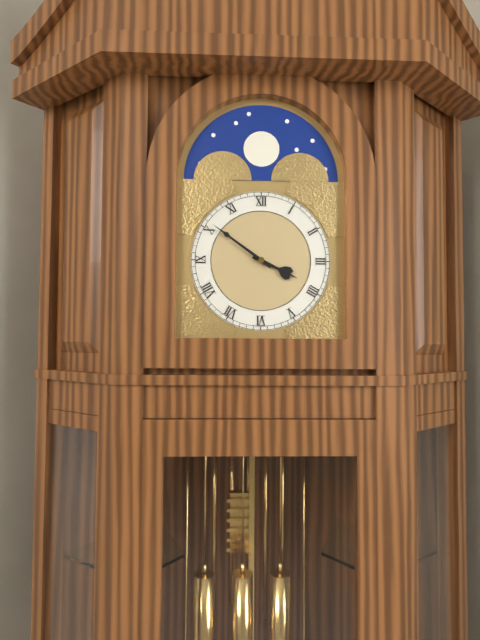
3:51
